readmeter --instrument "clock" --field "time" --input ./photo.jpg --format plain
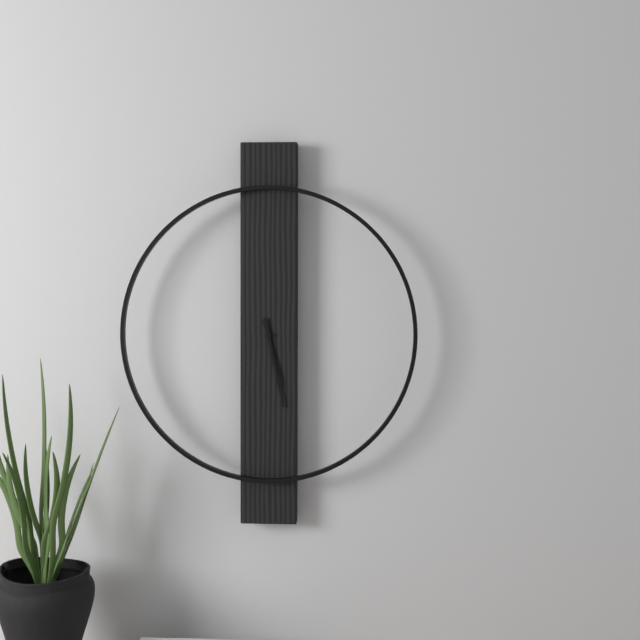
5:28
